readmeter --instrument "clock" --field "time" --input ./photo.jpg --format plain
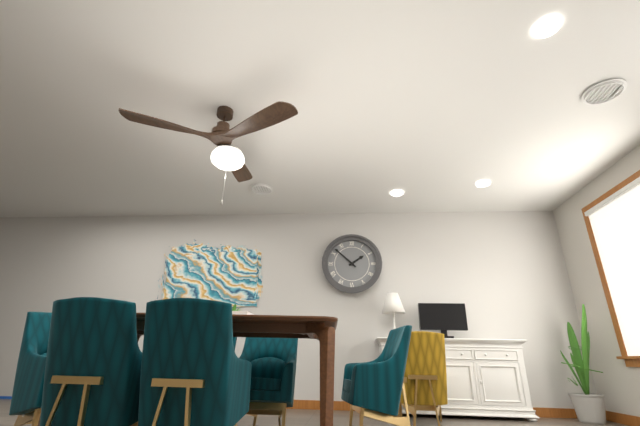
1:52
